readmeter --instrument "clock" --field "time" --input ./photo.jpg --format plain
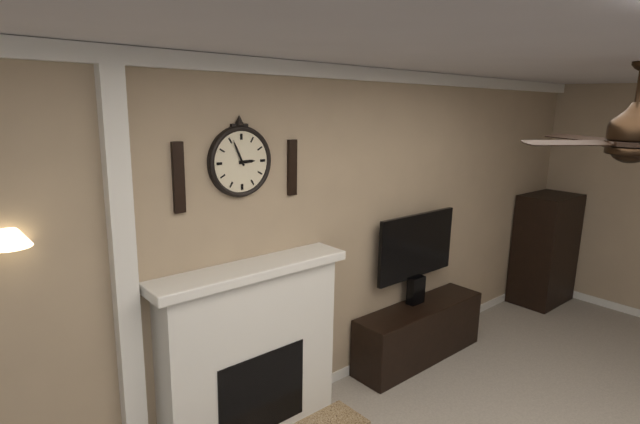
2:56
